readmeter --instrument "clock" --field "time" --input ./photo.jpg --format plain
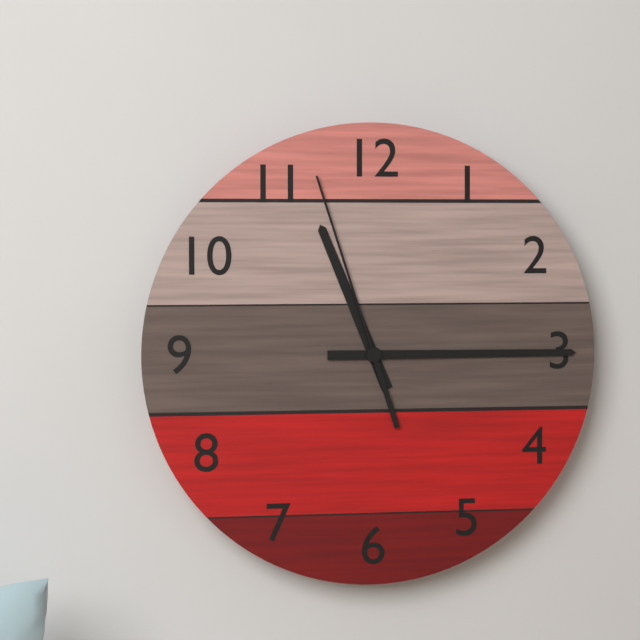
11:15:57
